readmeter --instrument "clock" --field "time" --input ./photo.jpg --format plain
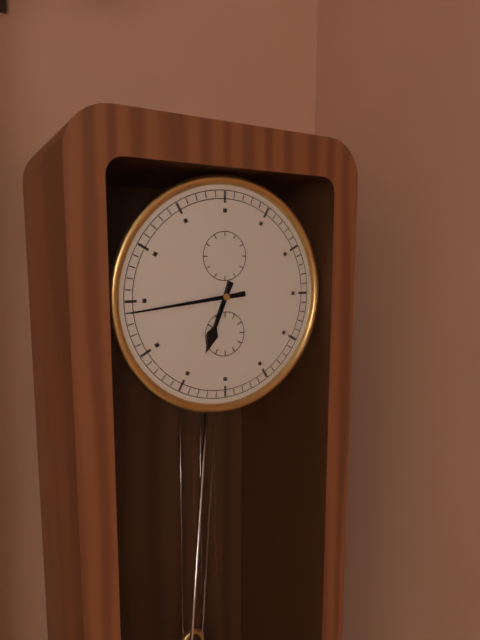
6:44
